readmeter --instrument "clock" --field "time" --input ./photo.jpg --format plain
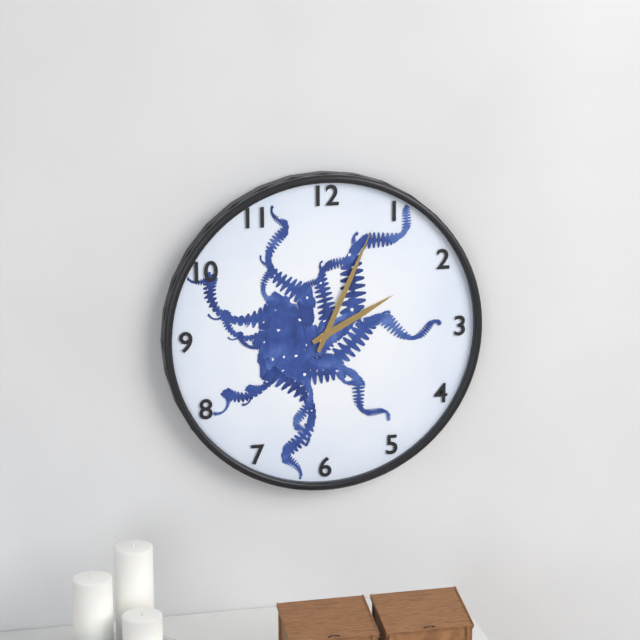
2:04
